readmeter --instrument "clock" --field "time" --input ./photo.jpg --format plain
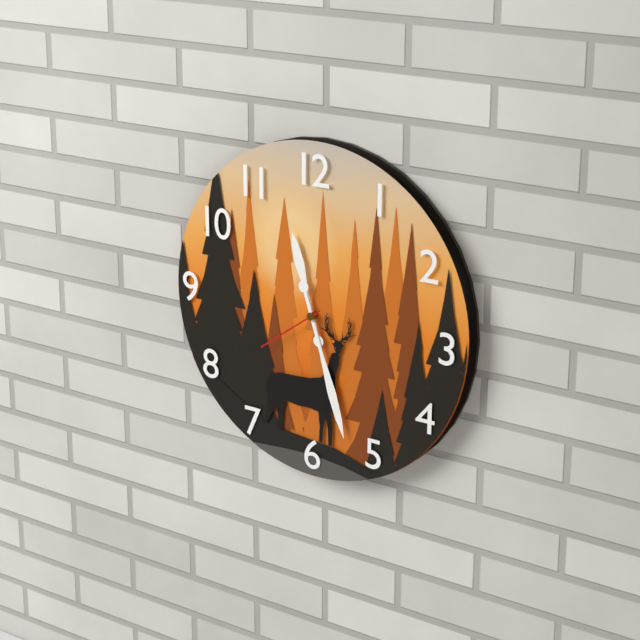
11:27:39
